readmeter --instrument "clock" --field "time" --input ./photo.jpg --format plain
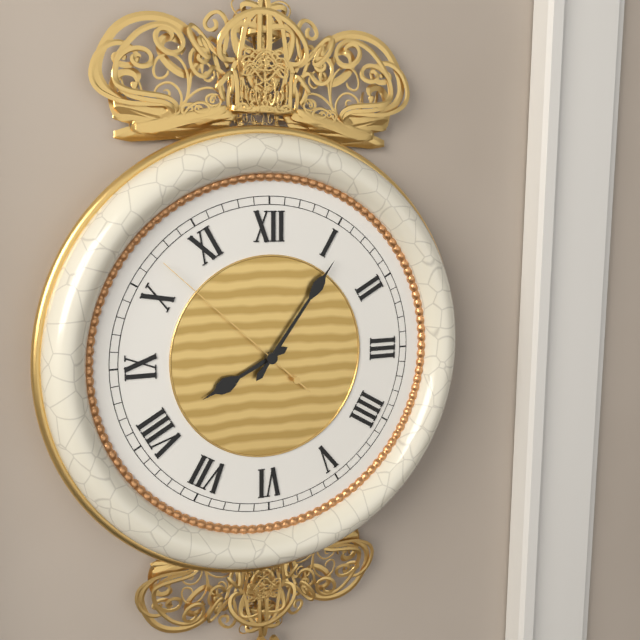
8:06:52
